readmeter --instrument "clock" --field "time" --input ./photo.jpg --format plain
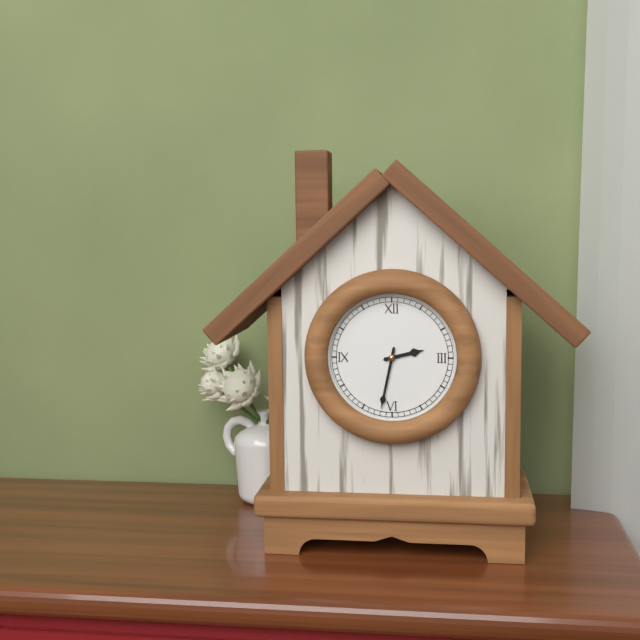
2:32
